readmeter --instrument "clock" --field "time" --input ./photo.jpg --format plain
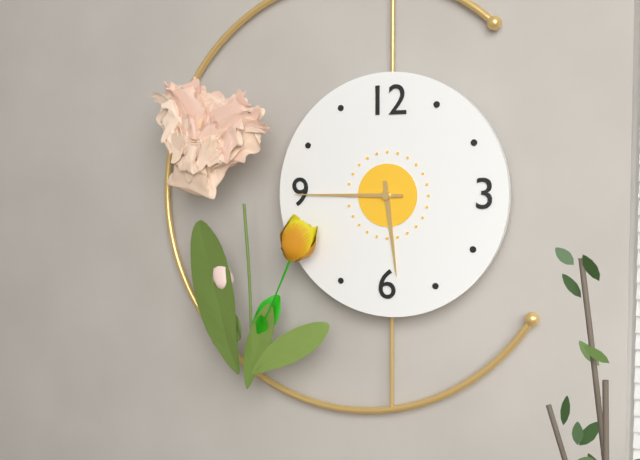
5:45
